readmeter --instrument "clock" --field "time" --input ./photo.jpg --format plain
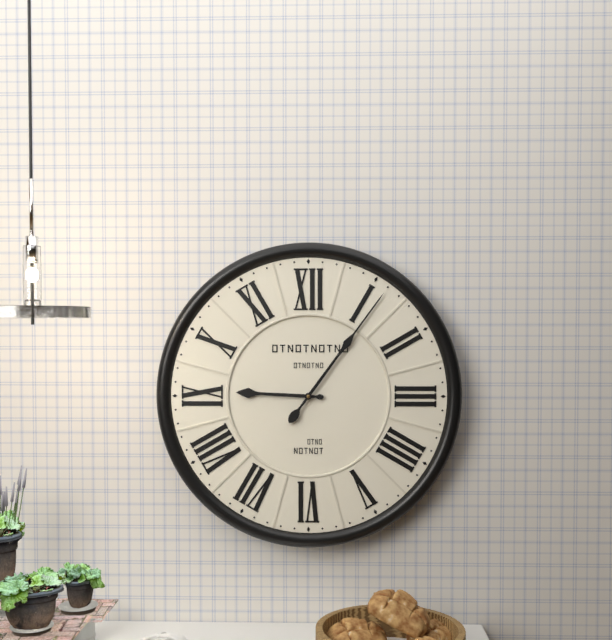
9:06
